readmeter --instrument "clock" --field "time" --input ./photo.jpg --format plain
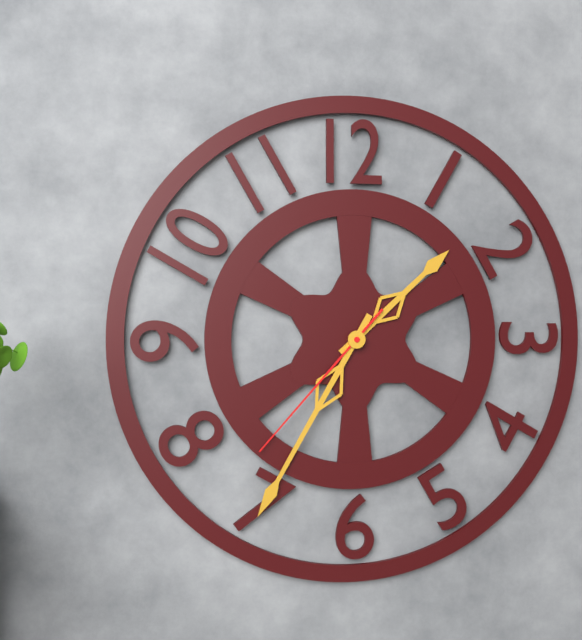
1:35:37
